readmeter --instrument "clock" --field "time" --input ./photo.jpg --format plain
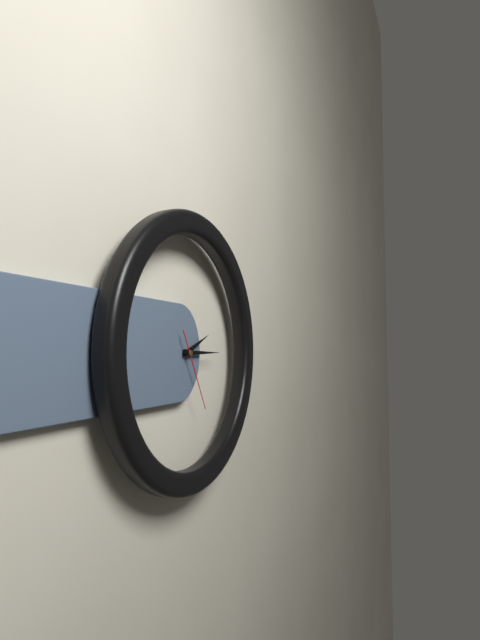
2:15:25
